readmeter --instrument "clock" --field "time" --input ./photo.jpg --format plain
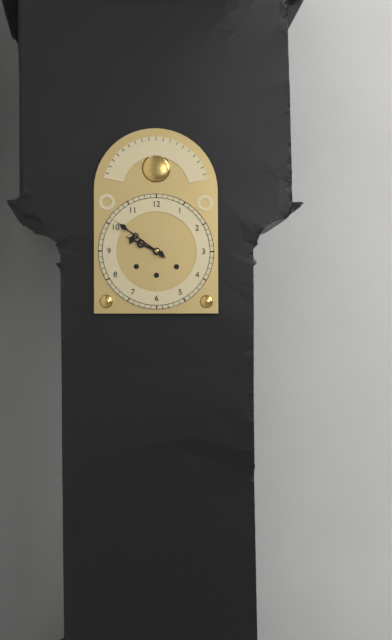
9:51
